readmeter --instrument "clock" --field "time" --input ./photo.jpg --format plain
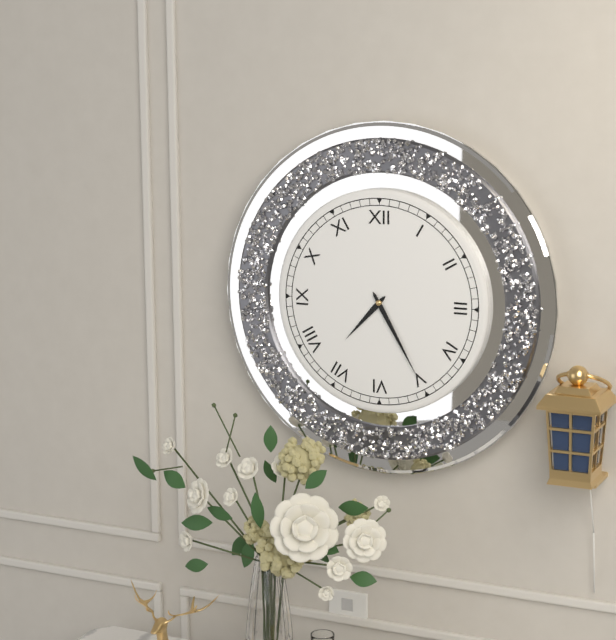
7:25
